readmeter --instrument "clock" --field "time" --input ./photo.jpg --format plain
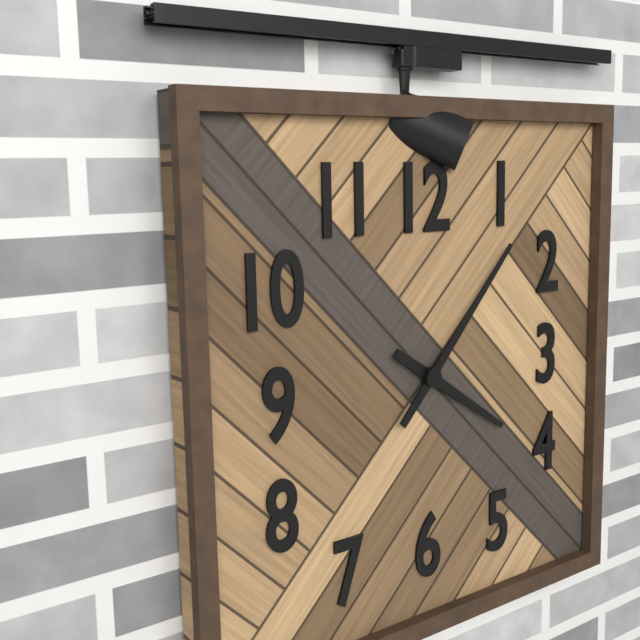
4:07
